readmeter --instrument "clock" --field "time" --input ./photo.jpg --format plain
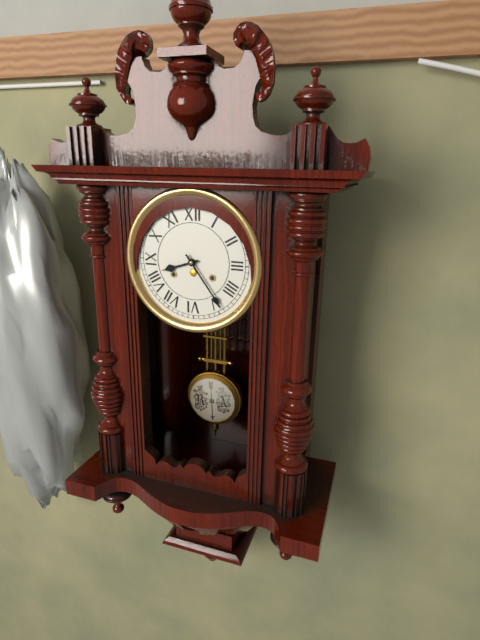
8:24
